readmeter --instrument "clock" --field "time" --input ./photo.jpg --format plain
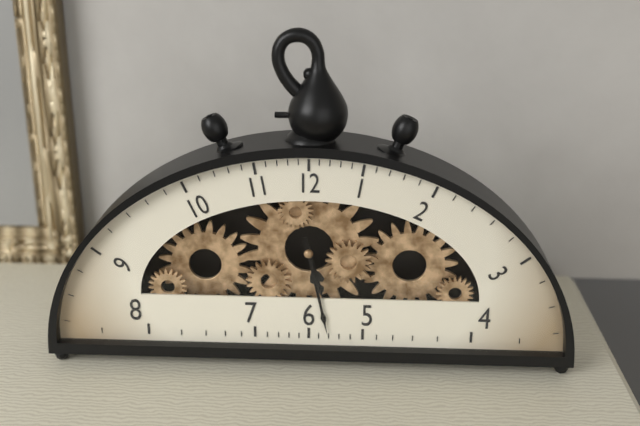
5:28
